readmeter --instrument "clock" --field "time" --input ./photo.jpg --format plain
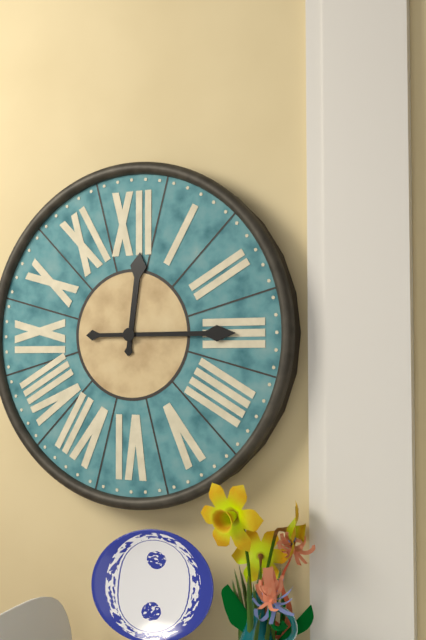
12:15
